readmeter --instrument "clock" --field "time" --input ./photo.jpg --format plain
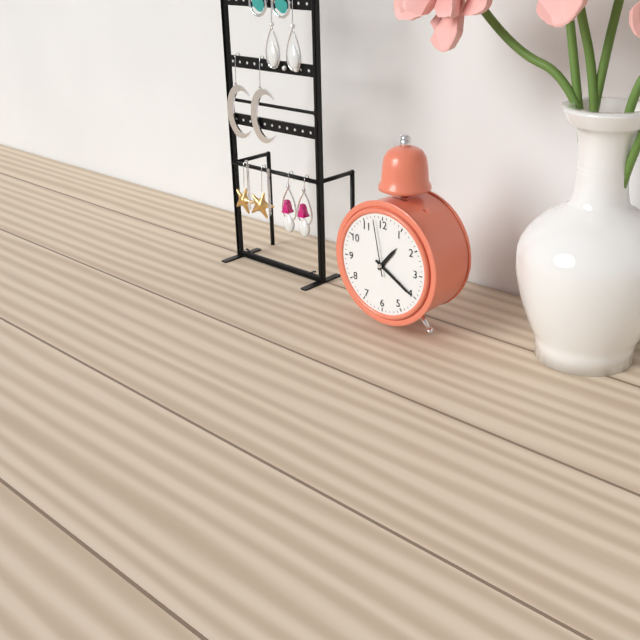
1:20:58
